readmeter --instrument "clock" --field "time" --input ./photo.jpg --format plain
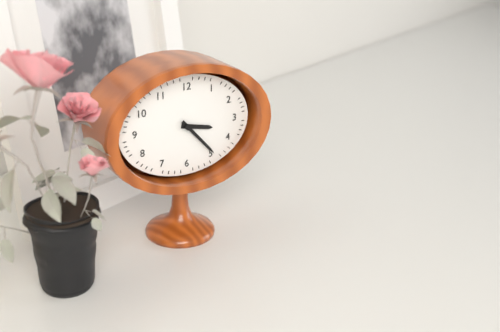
3:23
